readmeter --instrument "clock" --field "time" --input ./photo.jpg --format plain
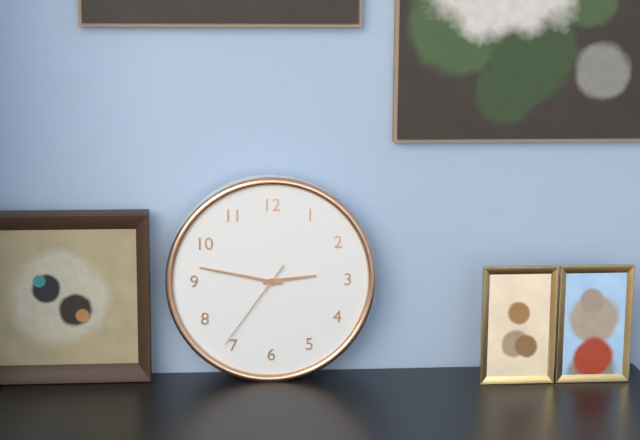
2:47:36
